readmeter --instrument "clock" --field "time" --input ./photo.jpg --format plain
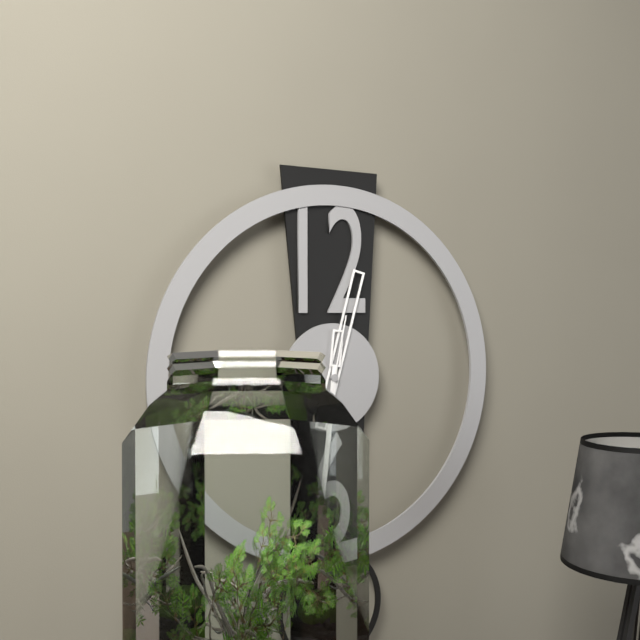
12:31:02
